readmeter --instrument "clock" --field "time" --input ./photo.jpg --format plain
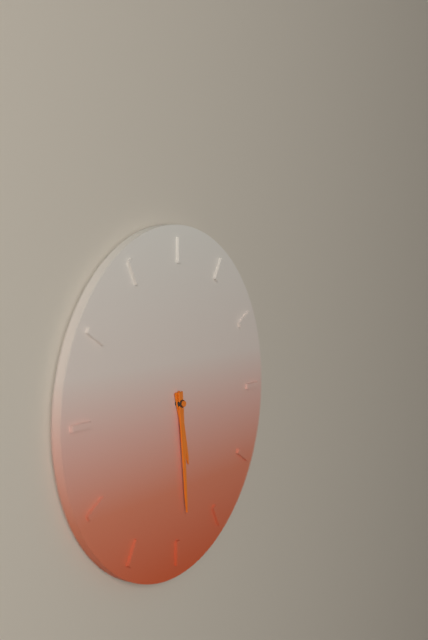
5:29
